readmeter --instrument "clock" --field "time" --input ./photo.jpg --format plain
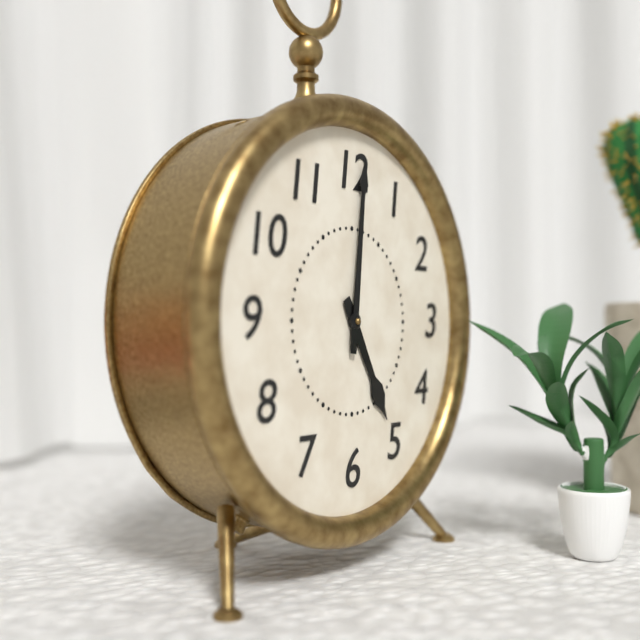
5:01
